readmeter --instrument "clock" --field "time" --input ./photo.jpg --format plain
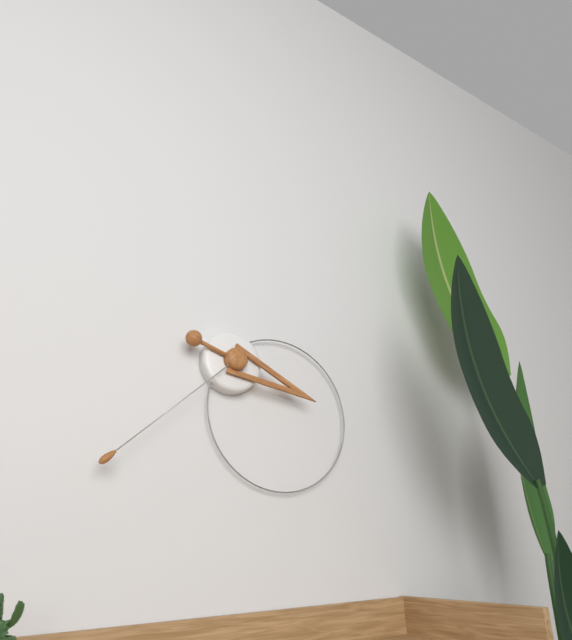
3:38
